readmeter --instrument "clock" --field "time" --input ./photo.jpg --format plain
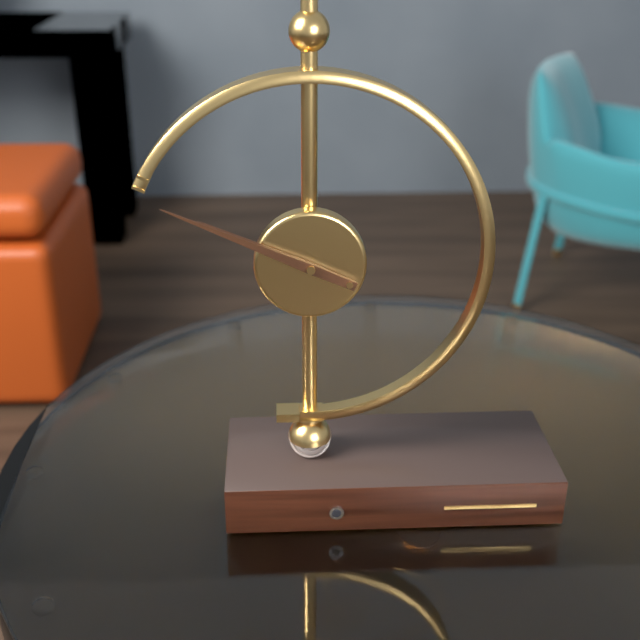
9:49
